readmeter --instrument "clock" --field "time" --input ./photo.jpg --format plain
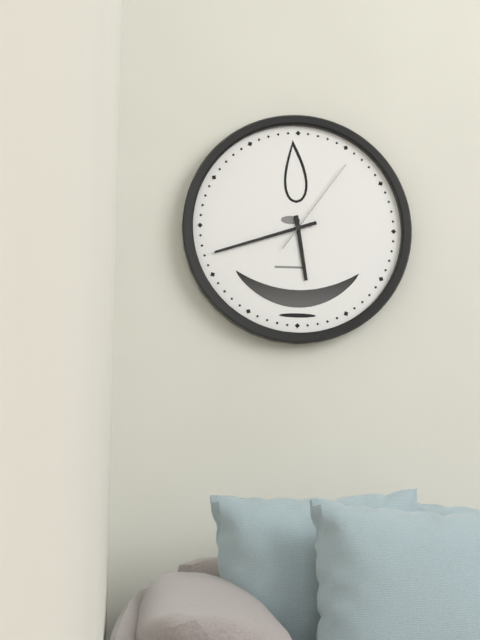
5:42:06
